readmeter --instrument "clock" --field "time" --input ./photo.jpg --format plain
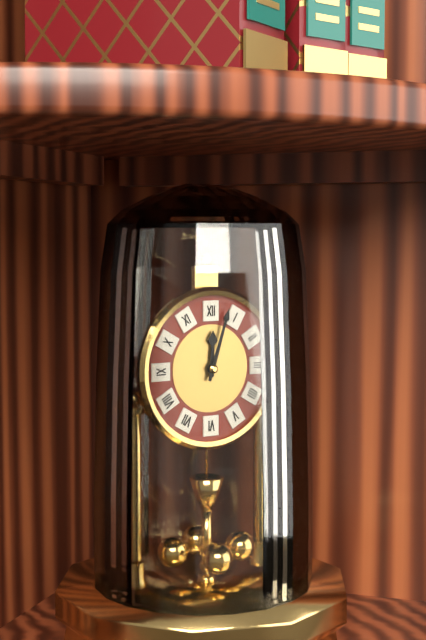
12:03
